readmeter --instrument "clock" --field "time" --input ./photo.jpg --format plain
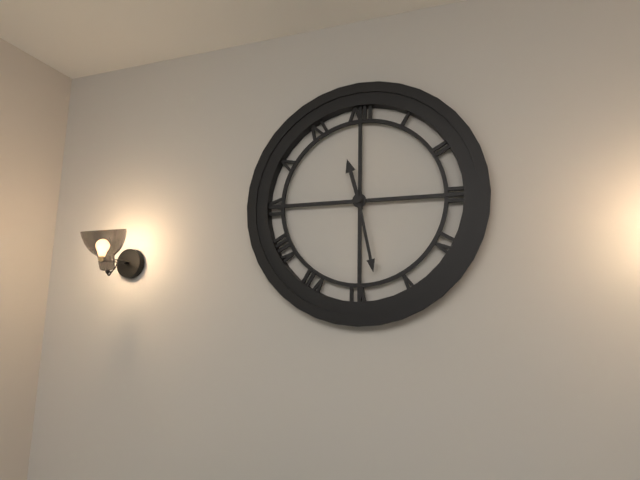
11:28
